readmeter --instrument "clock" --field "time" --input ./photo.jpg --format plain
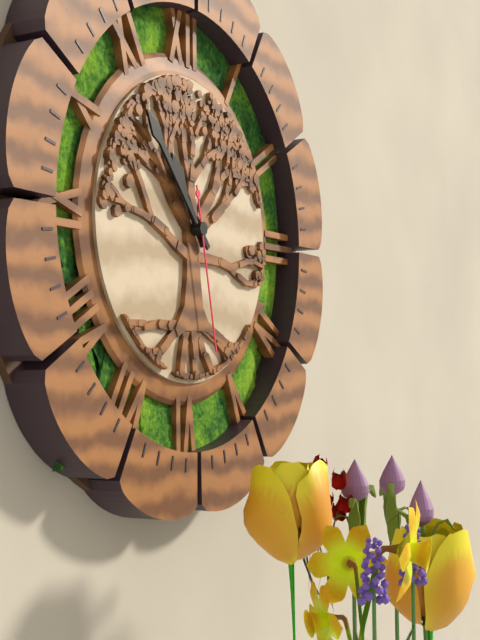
10:53:28
